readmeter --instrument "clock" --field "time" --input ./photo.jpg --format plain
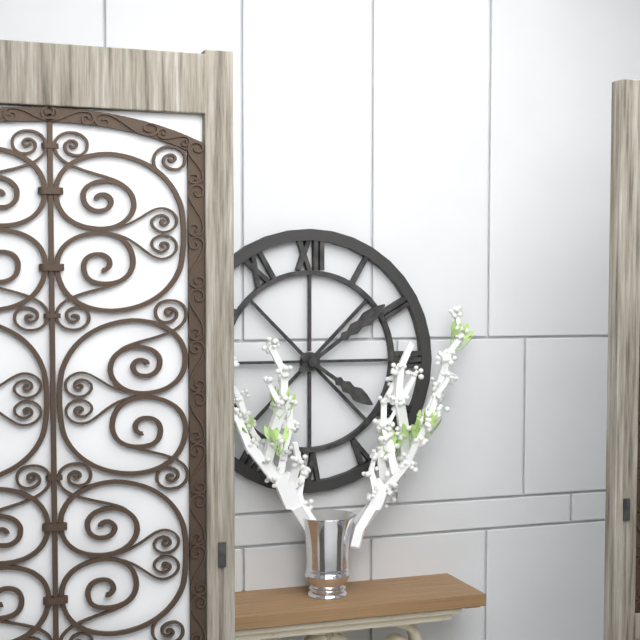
4:09
